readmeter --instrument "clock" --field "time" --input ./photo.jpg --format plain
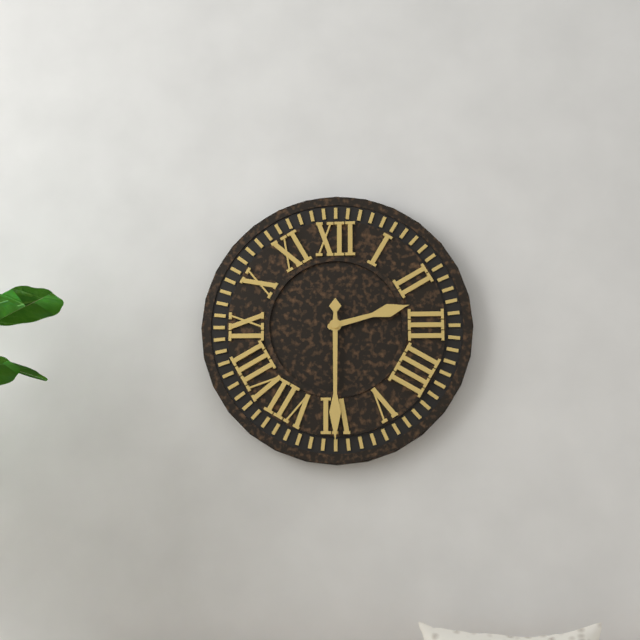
2:30
